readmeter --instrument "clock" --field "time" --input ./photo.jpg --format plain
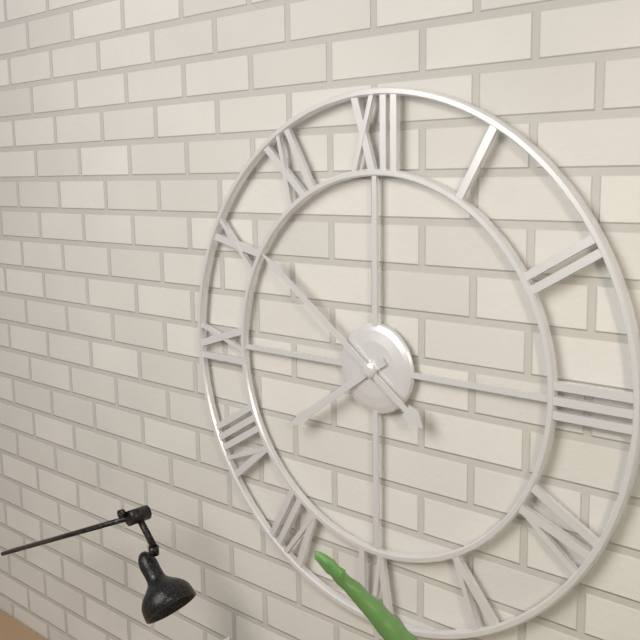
7:51
